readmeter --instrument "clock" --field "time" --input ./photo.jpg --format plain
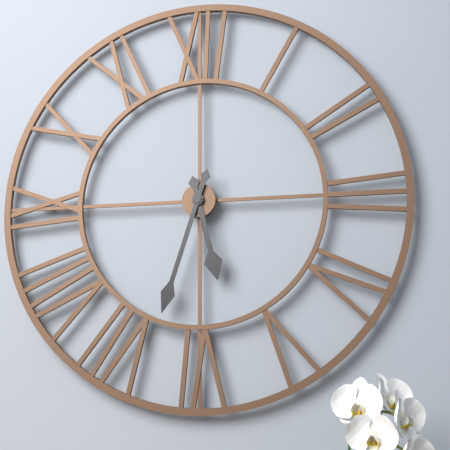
5:33
